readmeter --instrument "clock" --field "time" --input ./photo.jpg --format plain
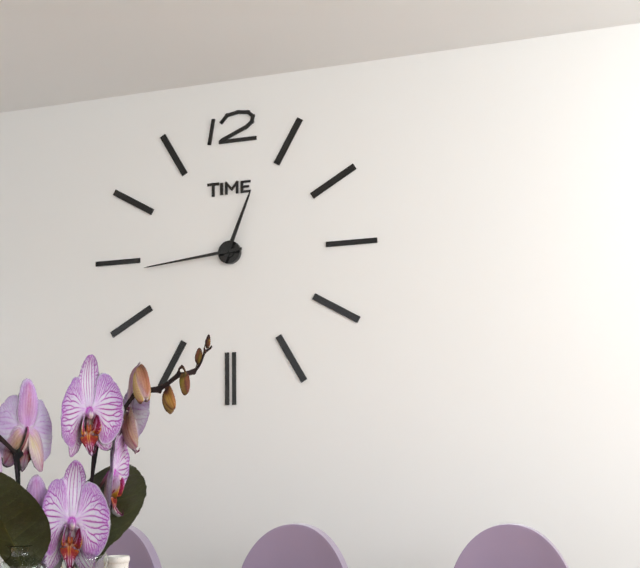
12:44
